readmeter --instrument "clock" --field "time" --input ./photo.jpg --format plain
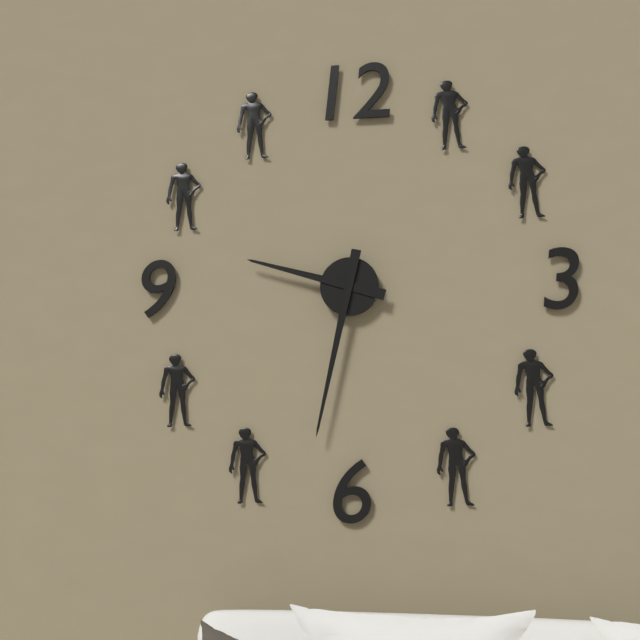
9:32
